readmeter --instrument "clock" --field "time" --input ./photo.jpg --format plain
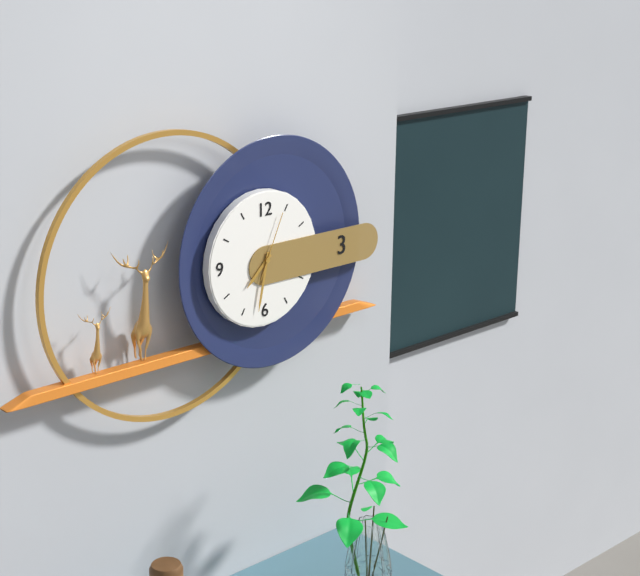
7:32:04
